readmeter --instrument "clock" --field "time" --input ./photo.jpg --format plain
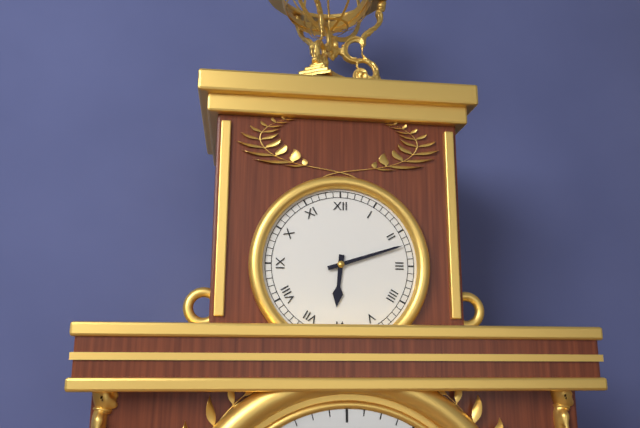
6:12
